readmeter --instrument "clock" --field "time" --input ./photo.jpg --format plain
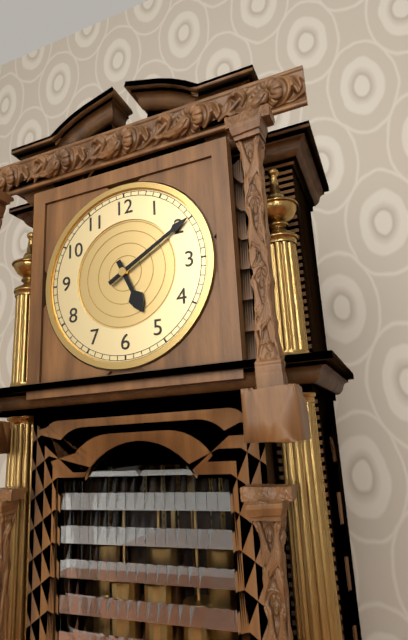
5:10
